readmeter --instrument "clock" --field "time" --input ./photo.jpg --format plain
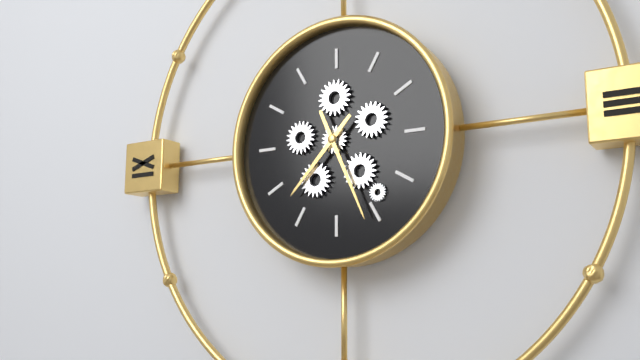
7:26
